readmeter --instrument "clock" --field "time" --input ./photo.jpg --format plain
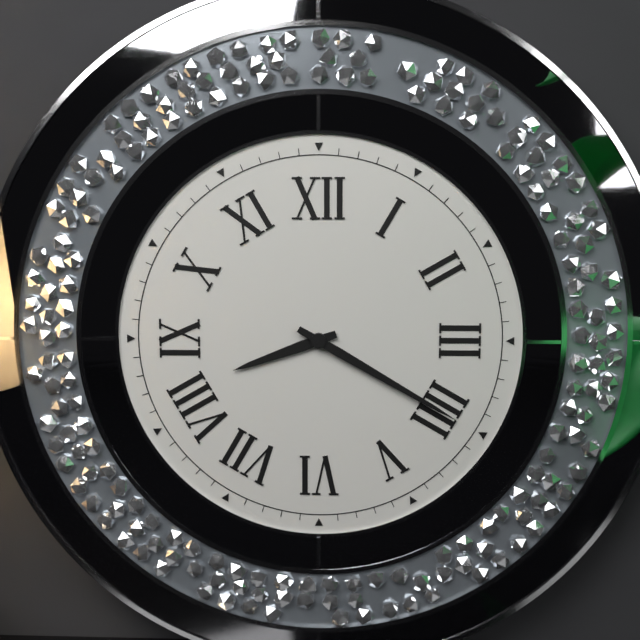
8:20
